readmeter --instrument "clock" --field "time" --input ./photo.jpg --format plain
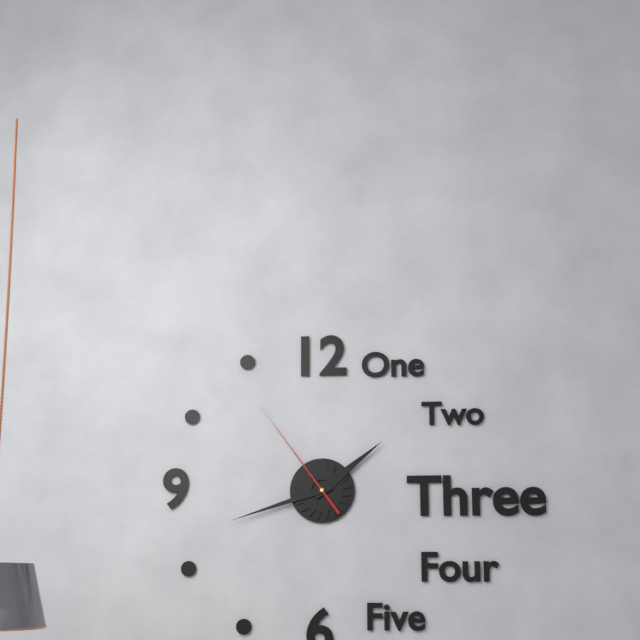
1:42:54
